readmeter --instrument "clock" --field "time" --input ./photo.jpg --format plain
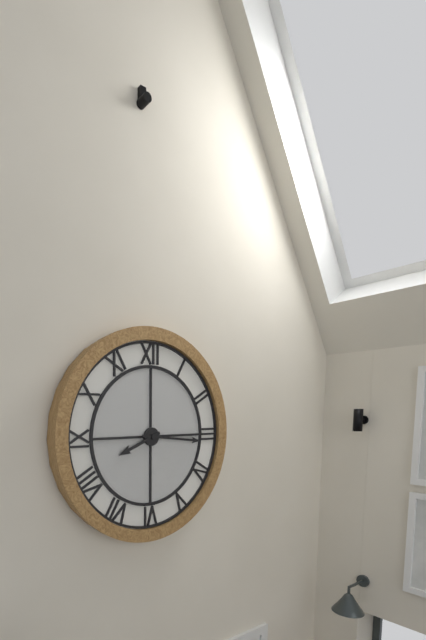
8:16
